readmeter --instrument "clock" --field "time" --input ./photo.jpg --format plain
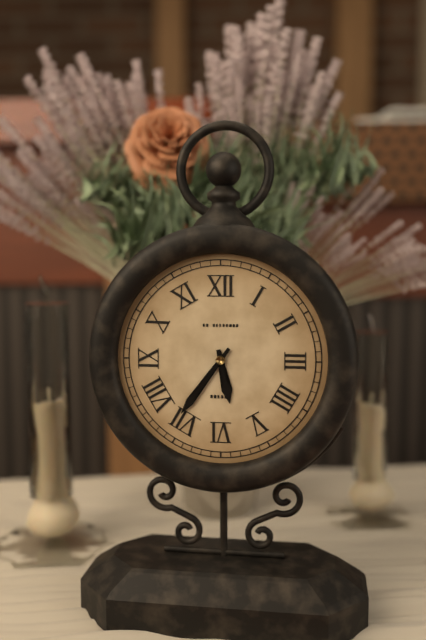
5:36
